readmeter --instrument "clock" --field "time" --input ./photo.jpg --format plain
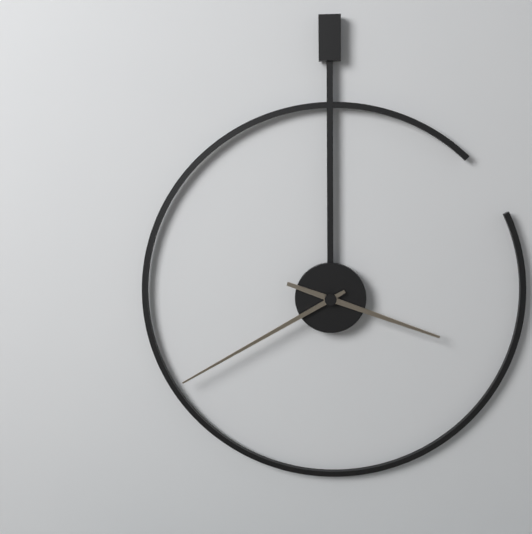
3:40
